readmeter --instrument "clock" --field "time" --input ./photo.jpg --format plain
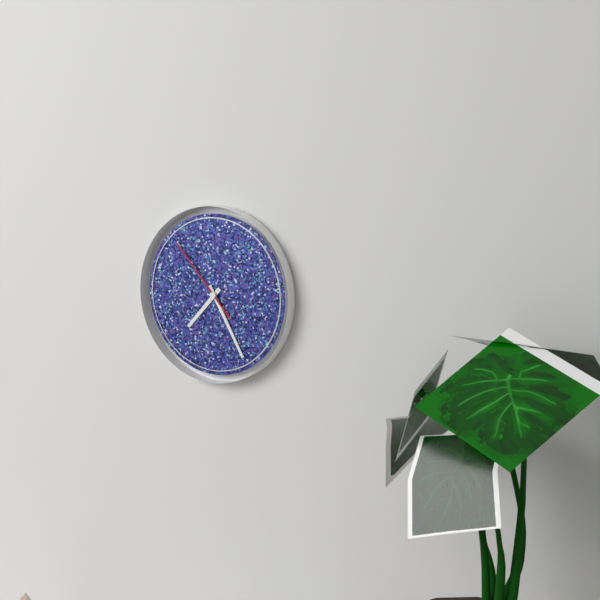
7:25:53
